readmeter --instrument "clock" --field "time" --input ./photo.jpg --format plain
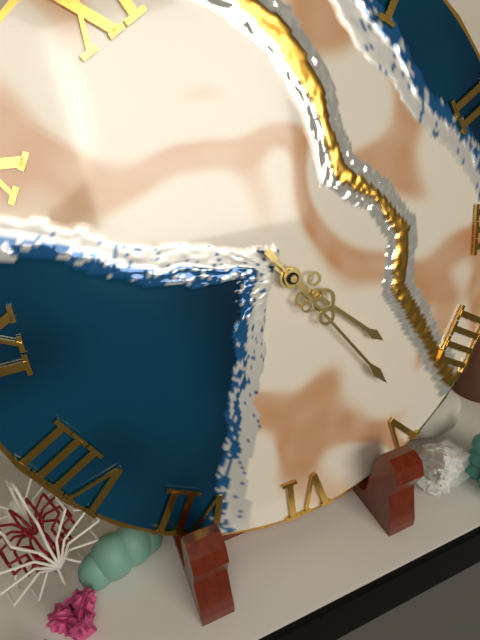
4:24
